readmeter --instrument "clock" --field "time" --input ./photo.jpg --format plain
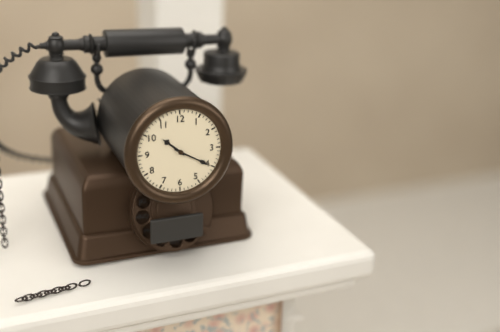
10:20
